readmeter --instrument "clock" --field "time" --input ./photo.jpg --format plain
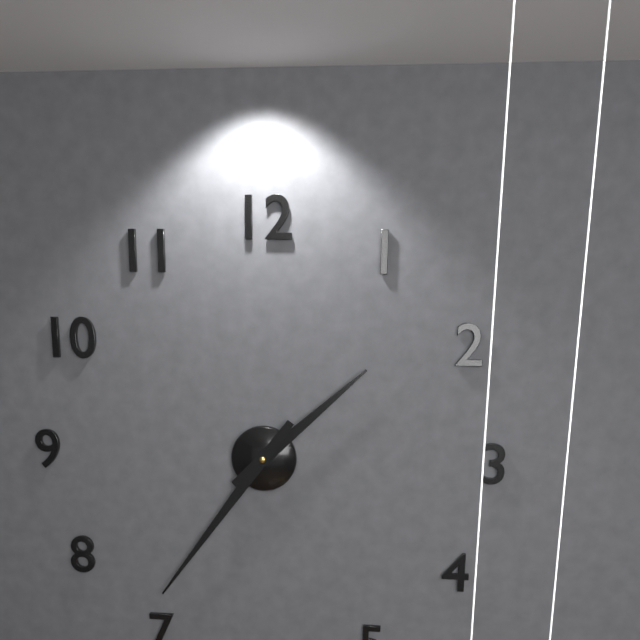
1:36
